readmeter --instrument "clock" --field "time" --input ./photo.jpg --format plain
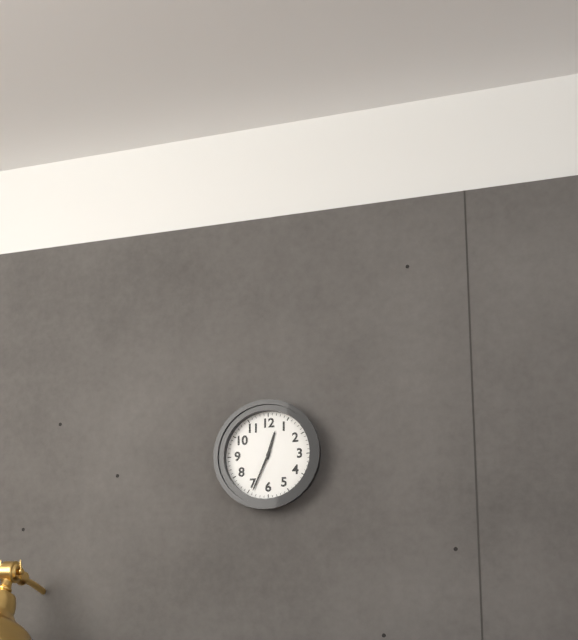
12:34
